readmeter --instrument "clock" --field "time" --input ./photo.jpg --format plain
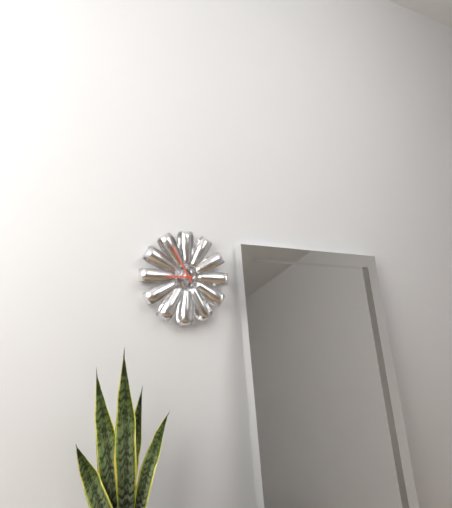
8:55
